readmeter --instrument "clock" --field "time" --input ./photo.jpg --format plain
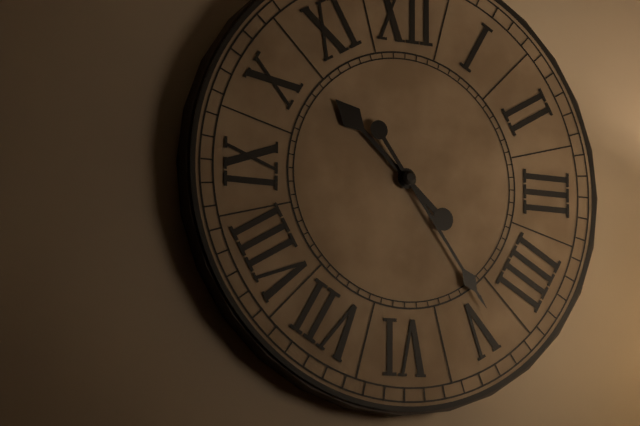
10:24
